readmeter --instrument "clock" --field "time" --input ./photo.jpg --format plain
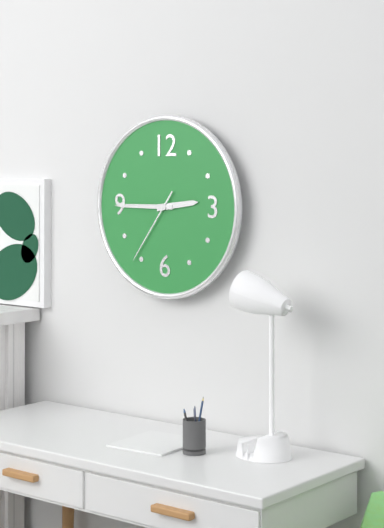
2:45:36
